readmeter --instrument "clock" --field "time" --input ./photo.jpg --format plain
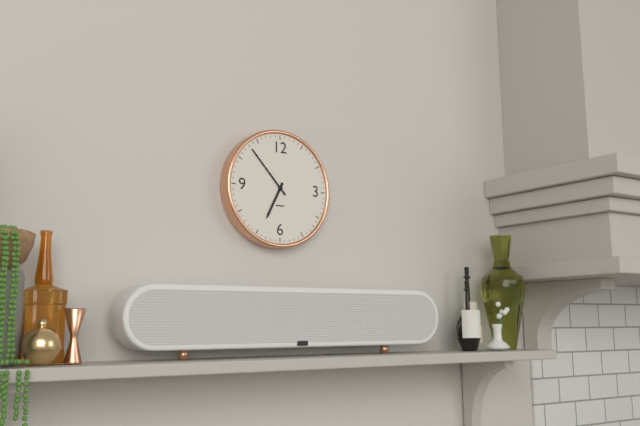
6:53
